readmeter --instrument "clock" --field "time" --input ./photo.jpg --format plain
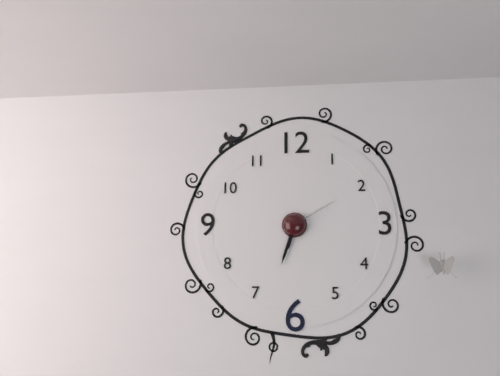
6:33:10
